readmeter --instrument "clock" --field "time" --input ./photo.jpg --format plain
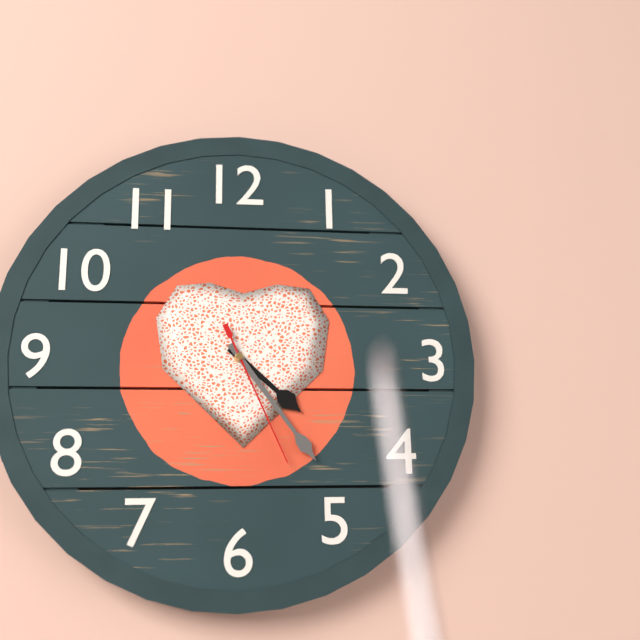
4:24:26
